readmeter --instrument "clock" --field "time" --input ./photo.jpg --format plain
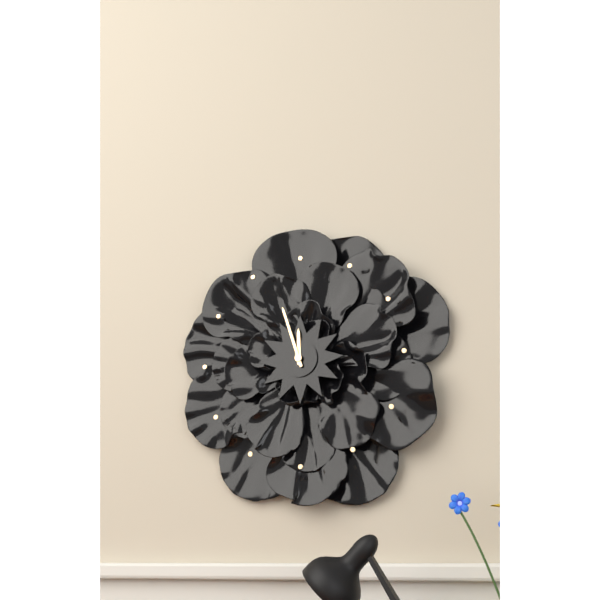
11:57
